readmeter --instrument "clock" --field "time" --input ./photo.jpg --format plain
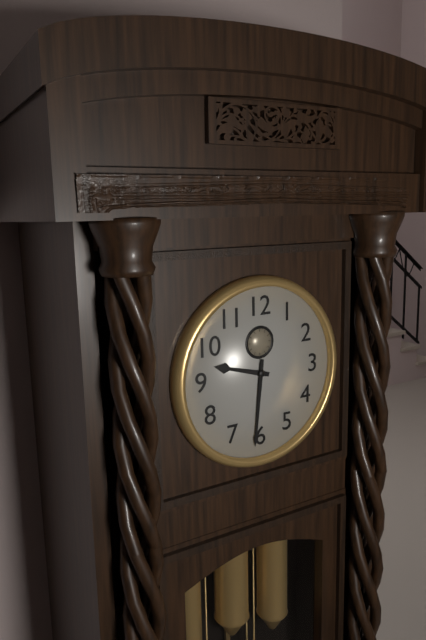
9:31
